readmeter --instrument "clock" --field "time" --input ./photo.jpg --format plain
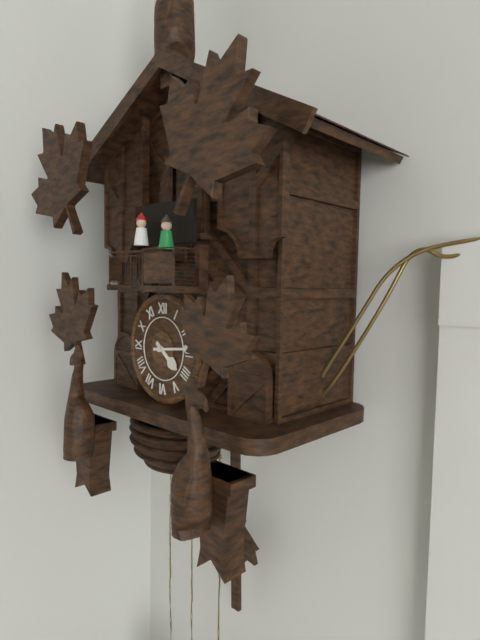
4:14
